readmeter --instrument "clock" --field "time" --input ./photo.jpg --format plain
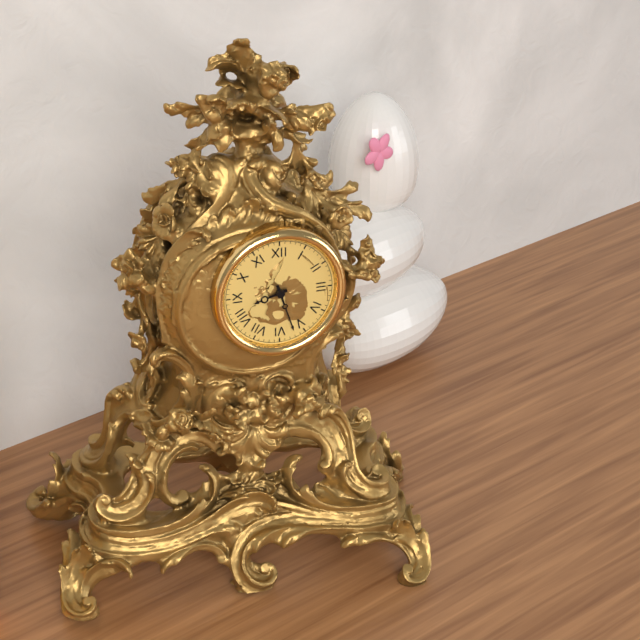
8:27
